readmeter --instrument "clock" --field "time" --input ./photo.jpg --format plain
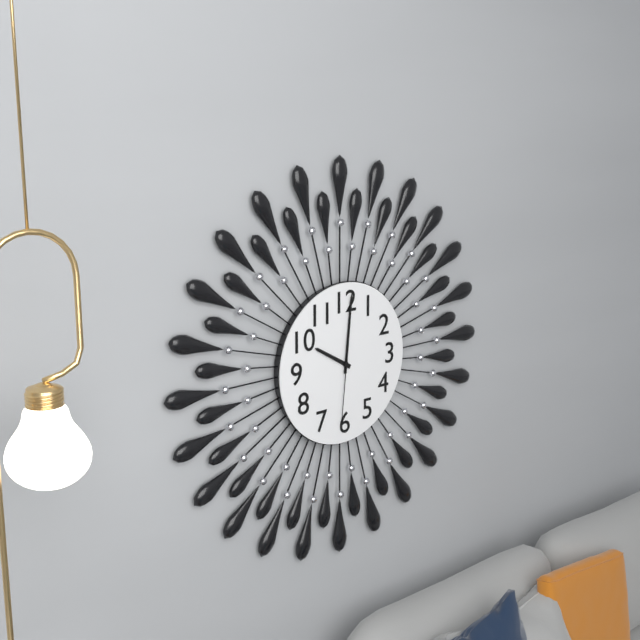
10:01:31
